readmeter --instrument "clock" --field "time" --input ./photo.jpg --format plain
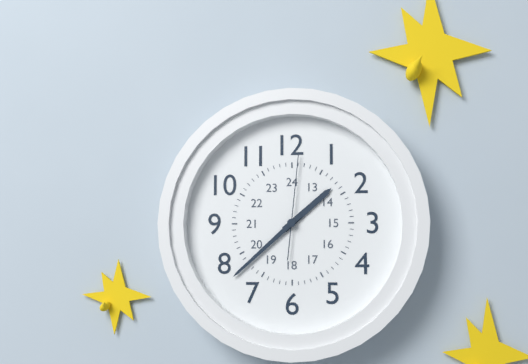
1:38:01
